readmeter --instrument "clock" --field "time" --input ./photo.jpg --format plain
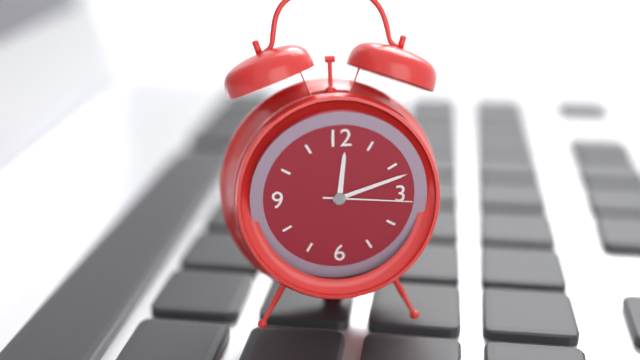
12:12:16
